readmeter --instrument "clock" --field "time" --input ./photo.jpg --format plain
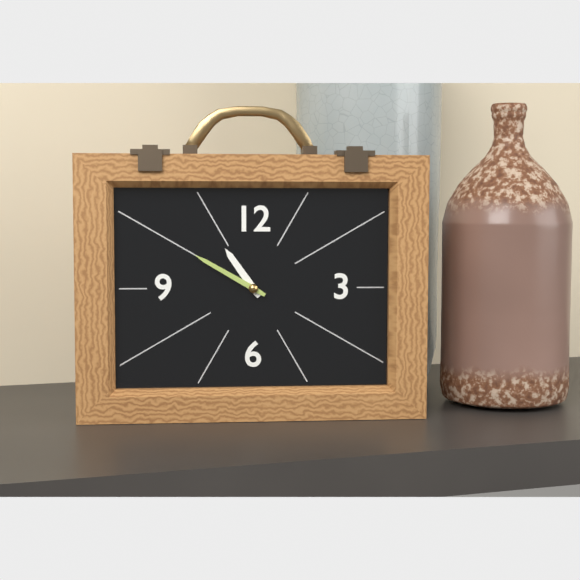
10:50
